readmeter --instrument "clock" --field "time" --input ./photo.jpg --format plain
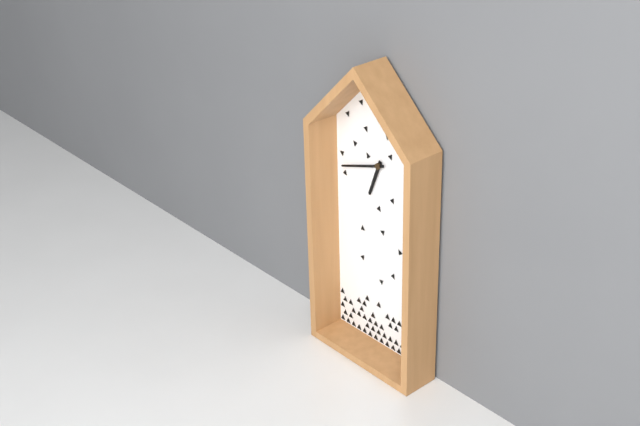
6:42
